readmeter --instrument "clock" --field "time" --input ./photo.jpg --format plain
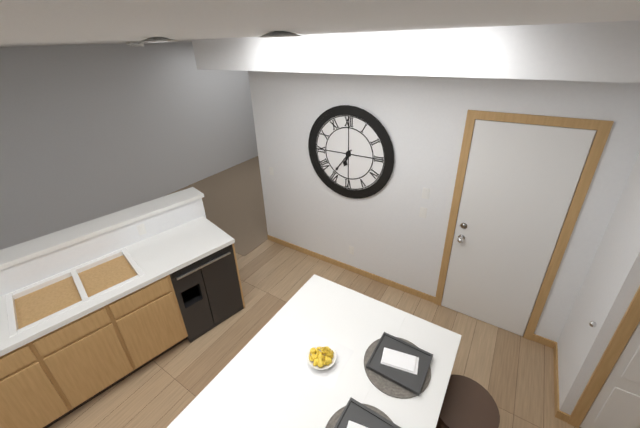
6:36
